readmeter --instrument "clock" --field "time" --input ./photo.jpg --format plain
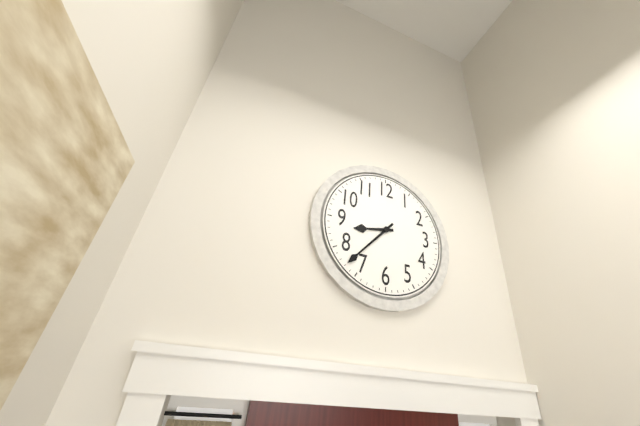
8:37
